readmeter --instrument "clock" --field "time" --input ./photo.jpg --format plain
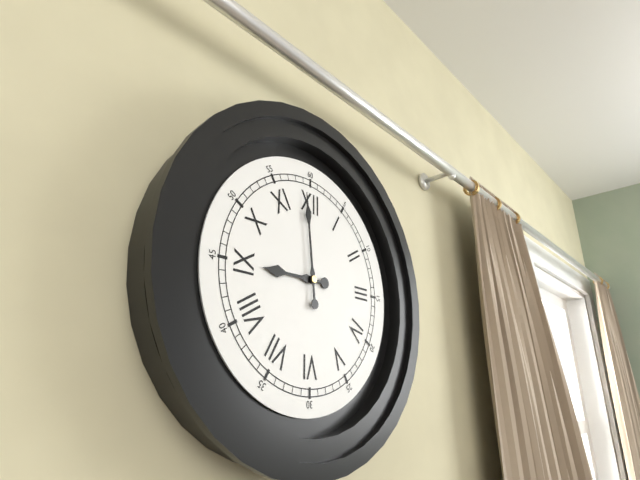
8:59
